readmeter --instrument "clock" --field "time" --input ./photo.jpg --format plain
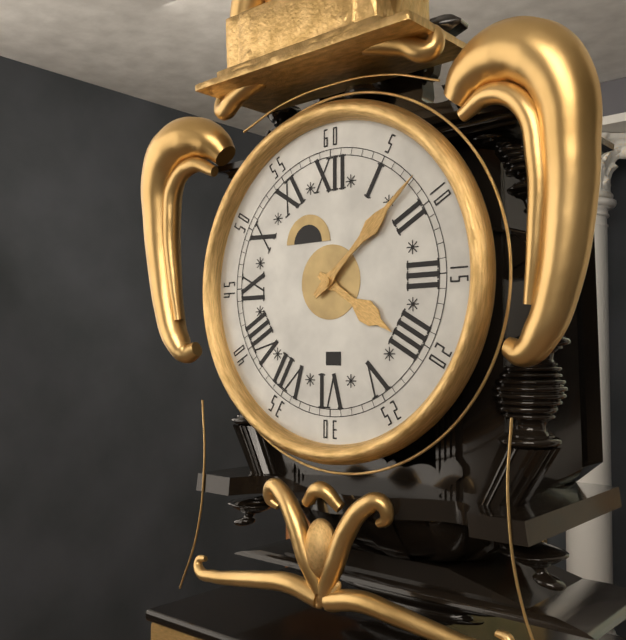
4:08
